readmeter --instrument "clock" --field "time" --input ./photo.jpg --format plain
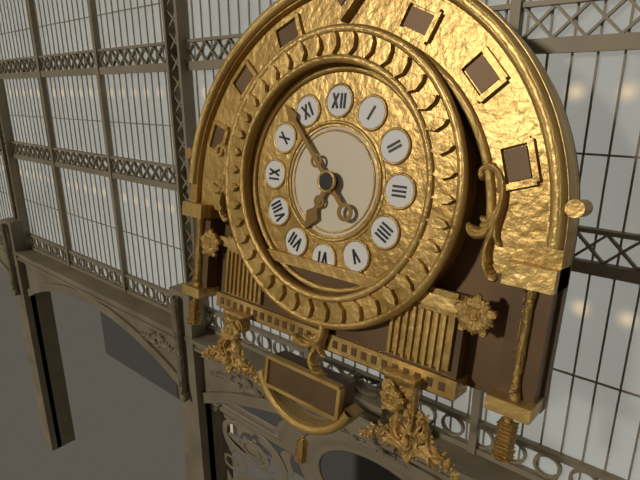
6:53
